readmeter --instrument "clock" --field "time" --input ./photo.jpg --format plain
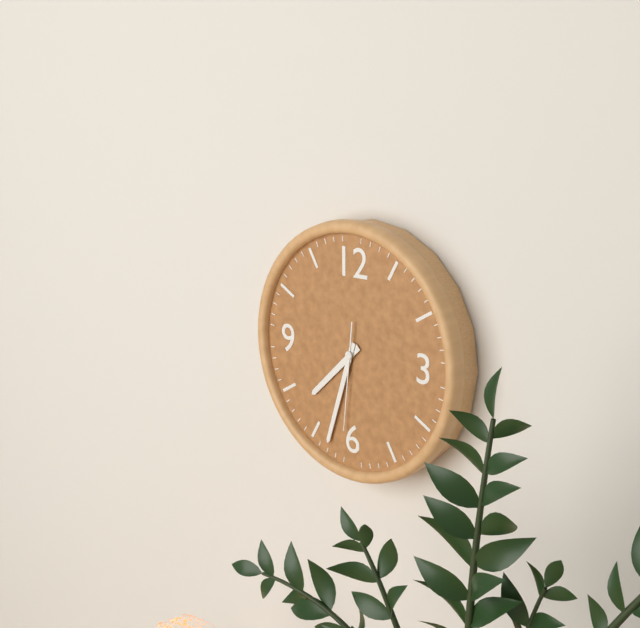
7:33:31
